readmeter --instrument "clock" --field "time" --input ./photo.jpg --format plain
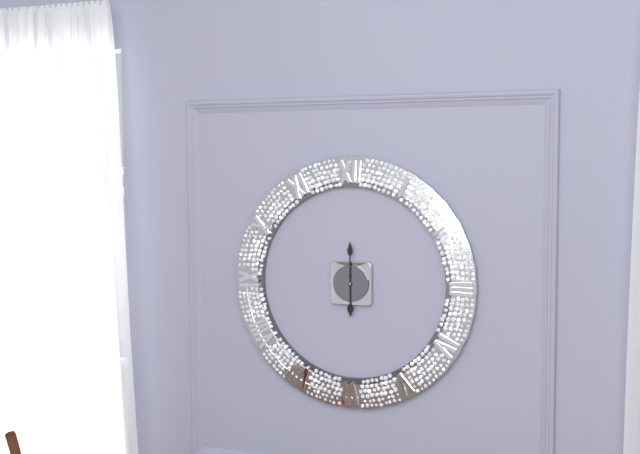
6:00
